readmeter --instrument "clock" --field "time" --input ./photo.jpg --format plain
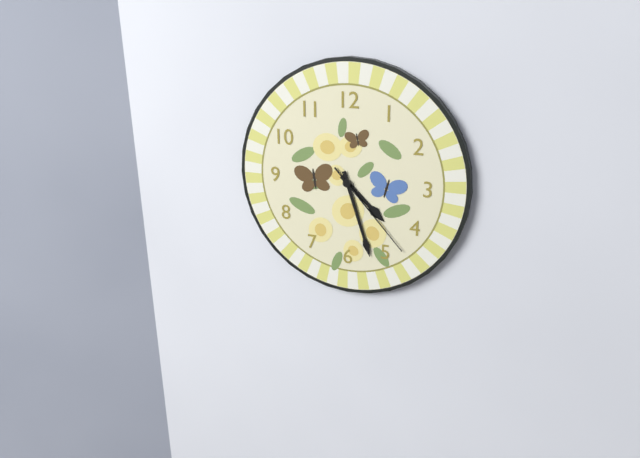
4:27:23
